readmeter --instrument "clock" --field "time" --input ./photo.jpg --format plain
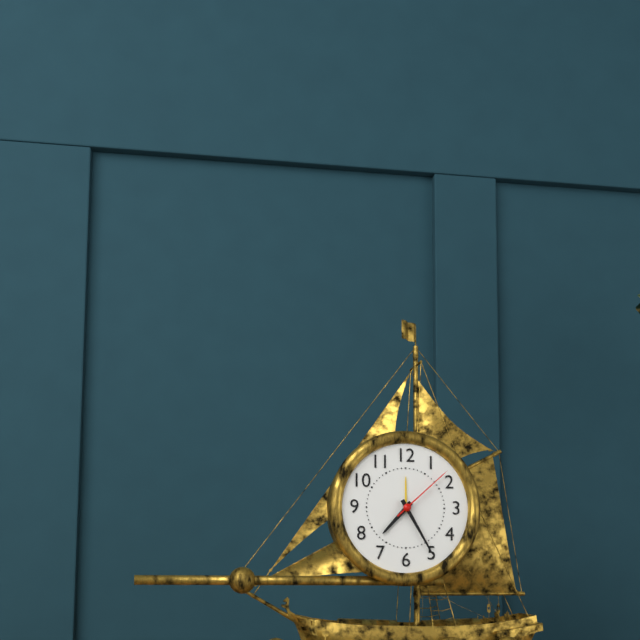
7:25:08
